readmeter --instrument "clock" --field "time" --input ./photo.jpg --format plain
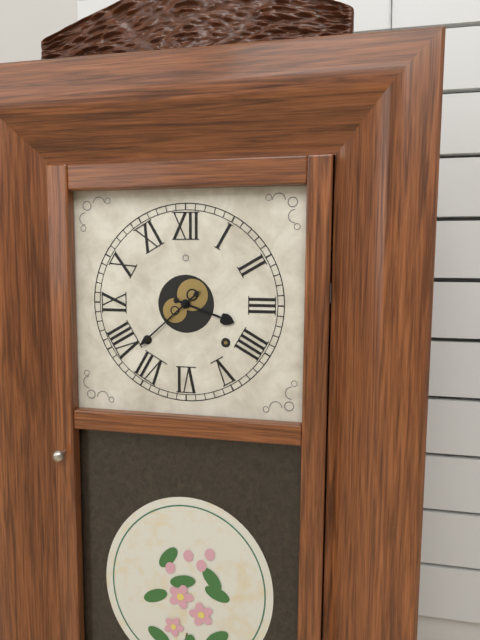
3:38
